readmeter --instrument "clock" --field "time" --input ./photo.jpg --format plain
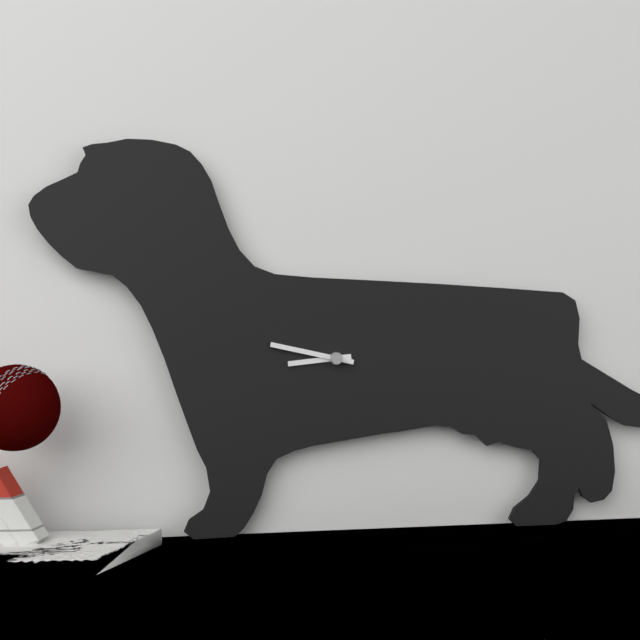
8:47
